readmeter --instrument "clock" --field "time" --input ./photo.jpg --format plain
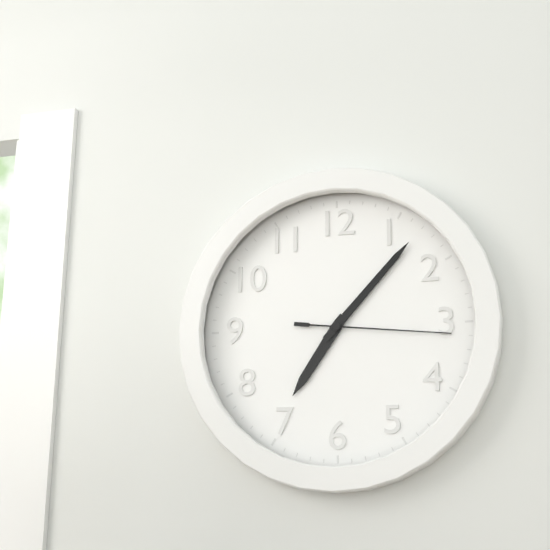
7:07:16
